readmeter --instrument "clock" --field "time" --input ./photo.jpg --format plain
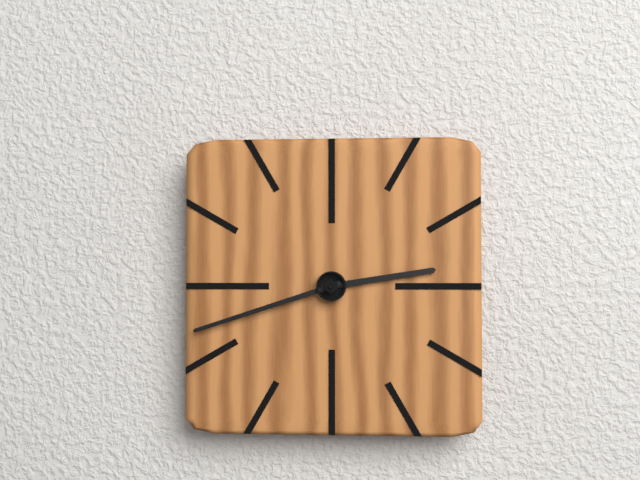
2:42
